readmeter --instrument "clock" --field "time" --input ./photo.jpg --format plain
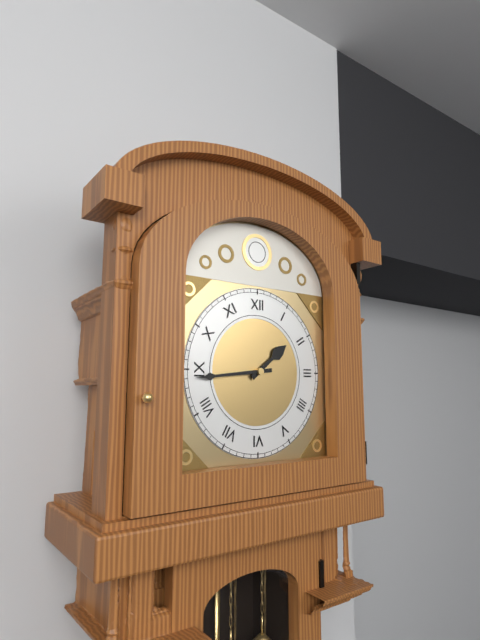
1:44
